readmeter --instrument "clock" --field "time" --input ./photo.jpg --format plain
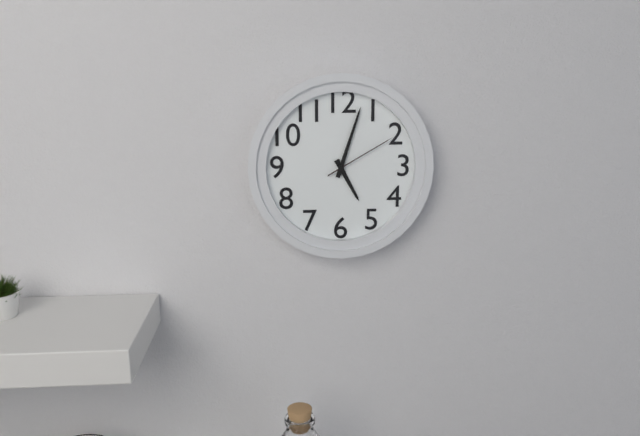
5:03:10
